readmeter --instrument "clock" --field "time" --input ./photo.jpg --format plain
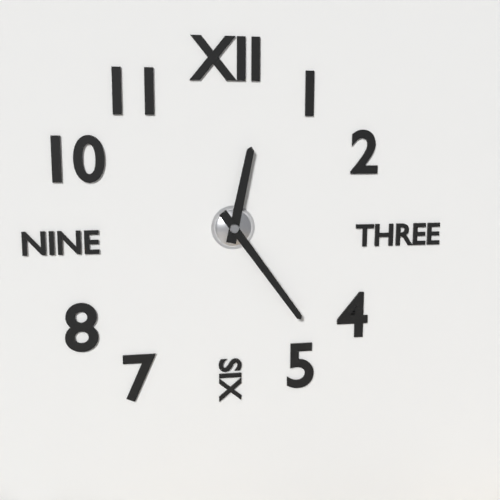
12:24
